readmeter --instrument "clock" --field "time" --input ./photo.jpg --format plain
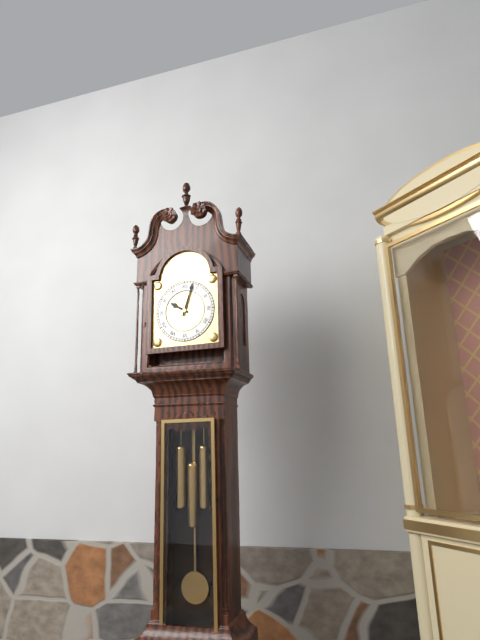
10:03
